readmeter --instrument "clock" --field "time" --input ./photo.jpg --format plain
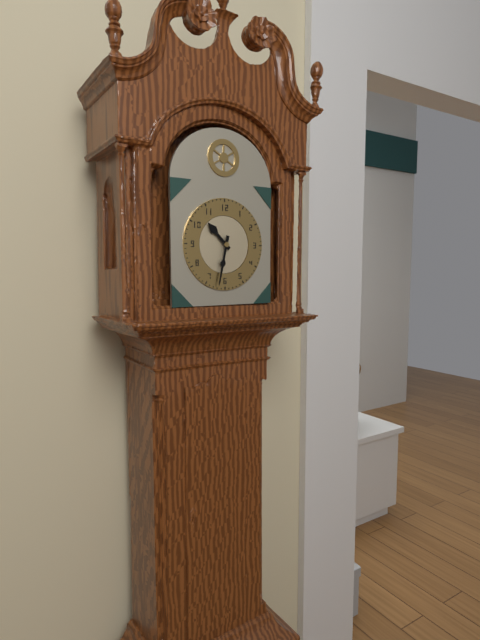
10:32
